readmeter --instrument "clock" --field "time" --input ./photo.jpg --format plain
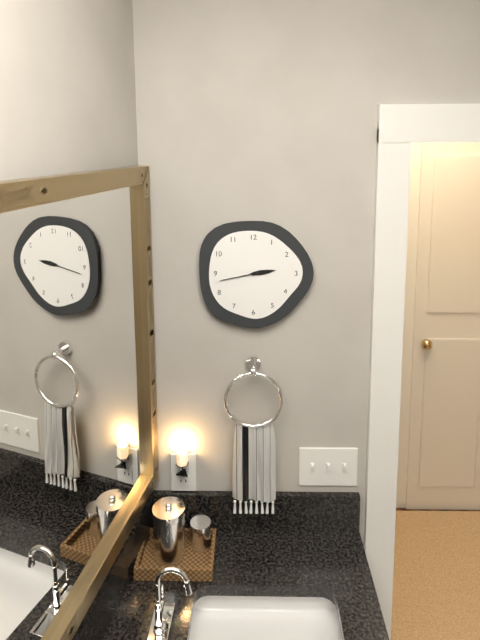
2:43
